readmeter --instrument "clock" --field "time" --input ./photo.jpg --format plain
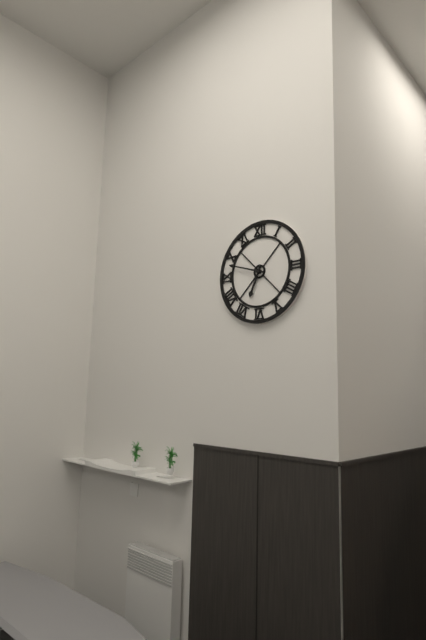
6:48
